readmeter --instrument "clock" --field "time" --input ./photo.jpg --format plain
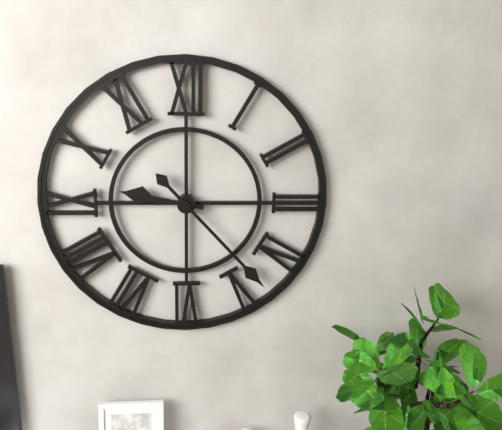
9:23
